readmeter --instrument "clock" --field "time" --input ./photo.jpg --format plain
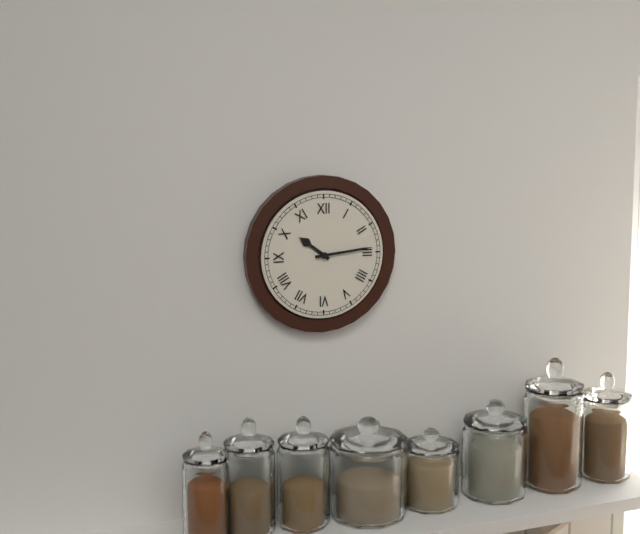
10:14
